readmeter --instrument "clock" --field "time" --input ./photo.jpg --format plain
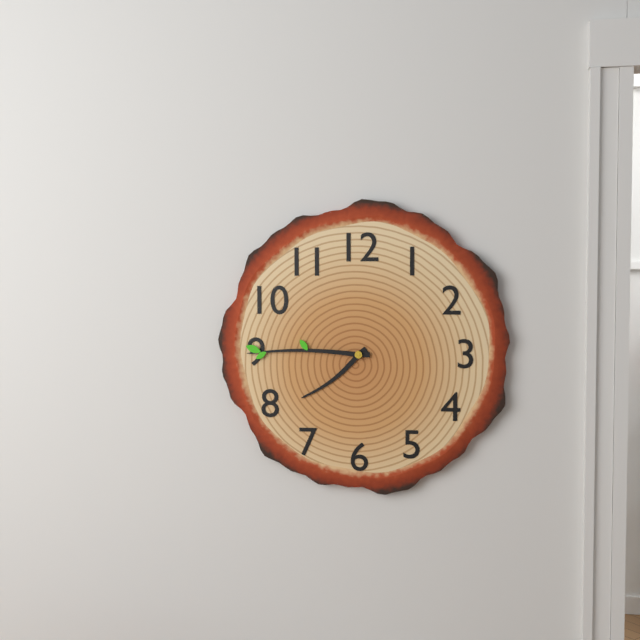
7:45
